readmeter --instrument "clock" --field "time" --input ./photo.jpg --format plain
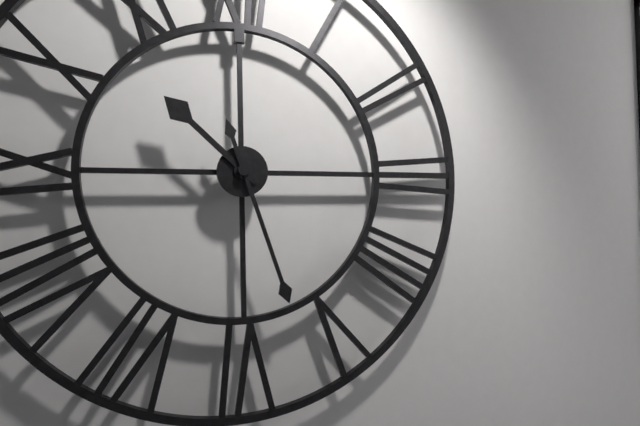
10:27
